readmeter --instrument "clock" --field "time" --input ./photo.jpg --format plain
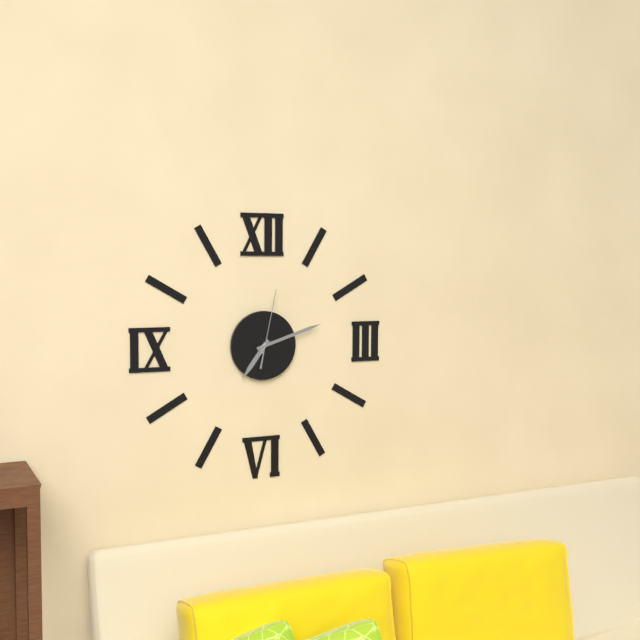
7:12:02
